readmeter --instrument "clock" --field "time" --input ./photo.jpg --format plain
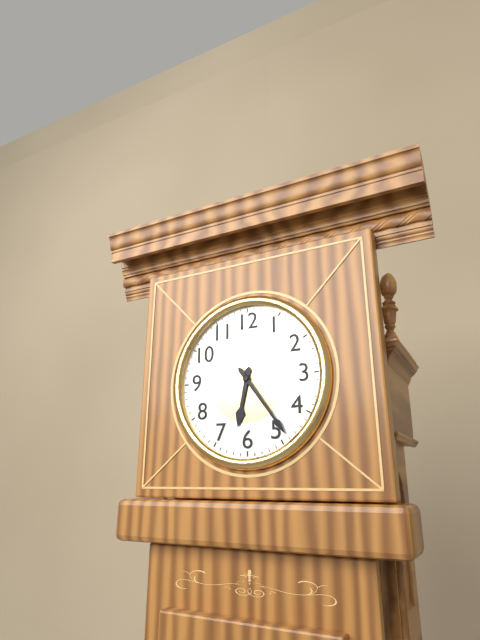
6:24
